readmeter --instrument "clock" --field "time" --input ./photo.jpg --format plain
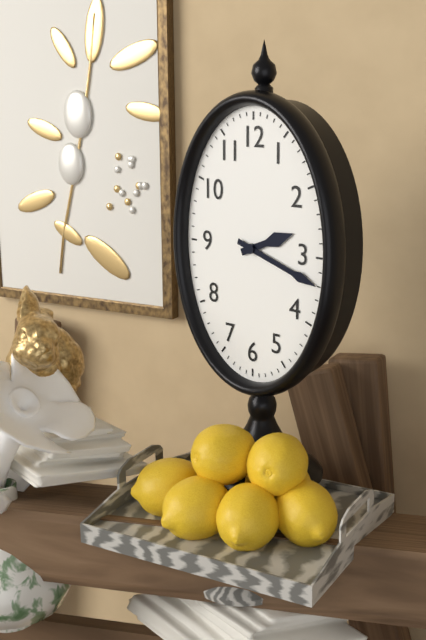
2:18
